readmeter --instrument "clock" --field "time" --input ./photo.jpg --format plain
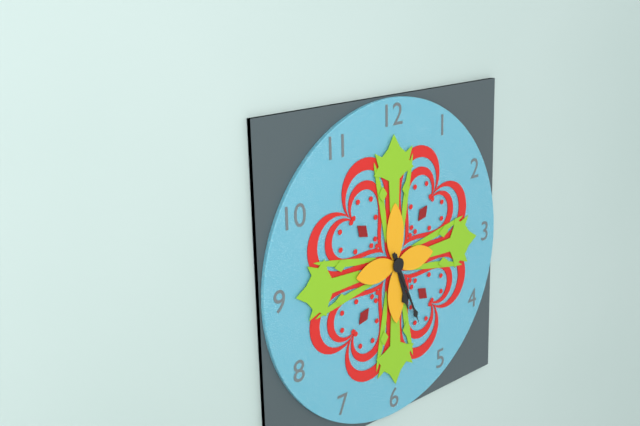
5:26
